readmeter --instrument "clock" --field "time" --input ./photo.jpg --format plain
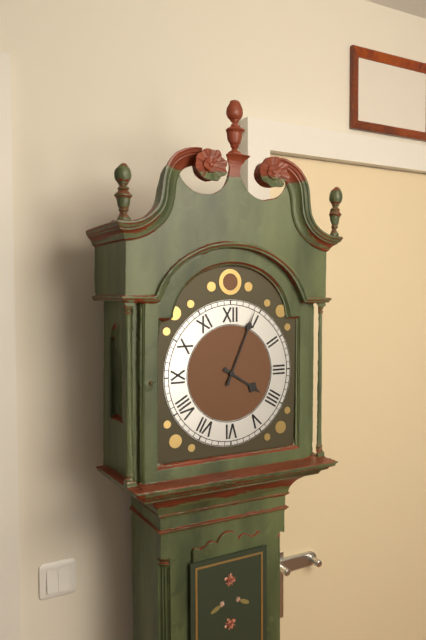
4:04
